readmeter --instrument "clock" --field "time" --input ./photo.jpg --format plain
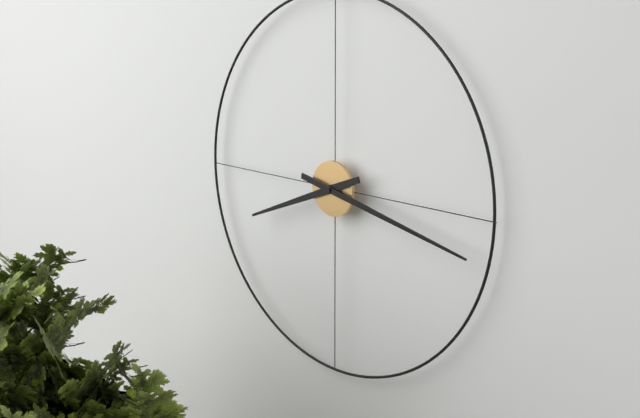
8:17
